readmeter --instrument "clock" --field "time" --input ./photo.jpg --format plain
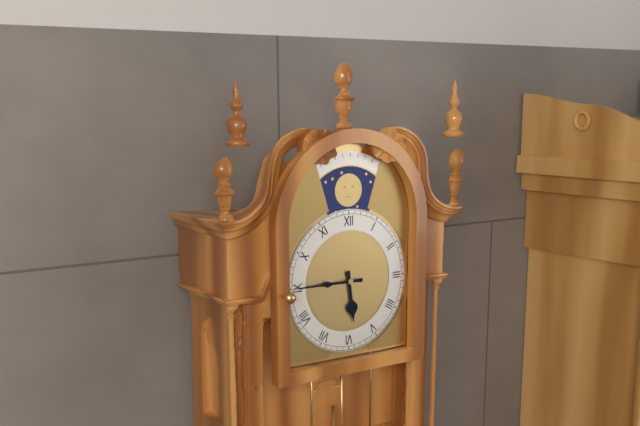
5:45
